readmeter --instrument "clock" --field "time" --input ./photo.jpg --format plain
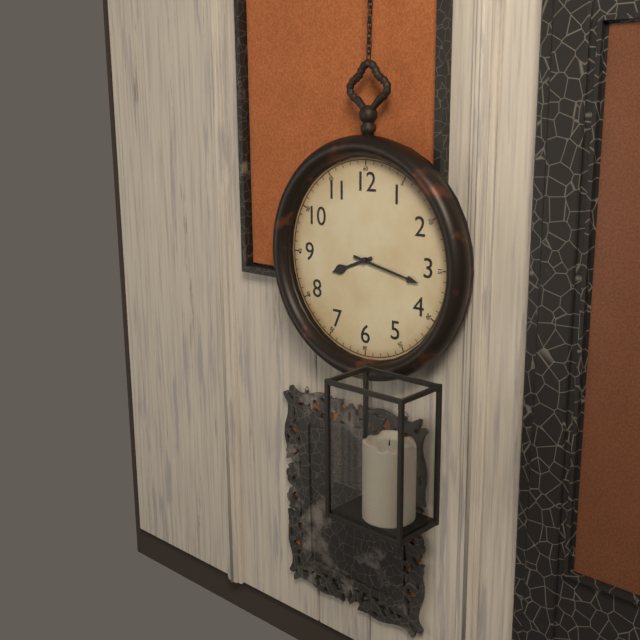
8:17
